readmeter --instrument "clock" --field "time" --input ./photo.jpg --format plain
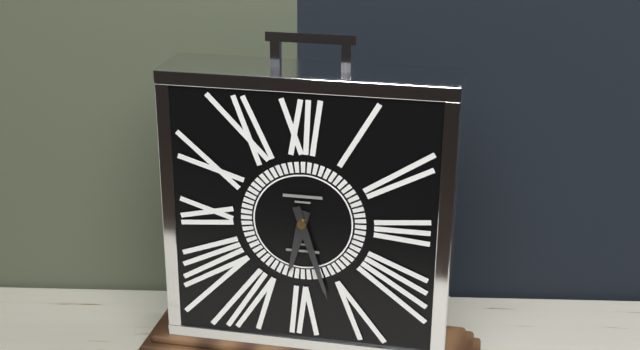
6:27
